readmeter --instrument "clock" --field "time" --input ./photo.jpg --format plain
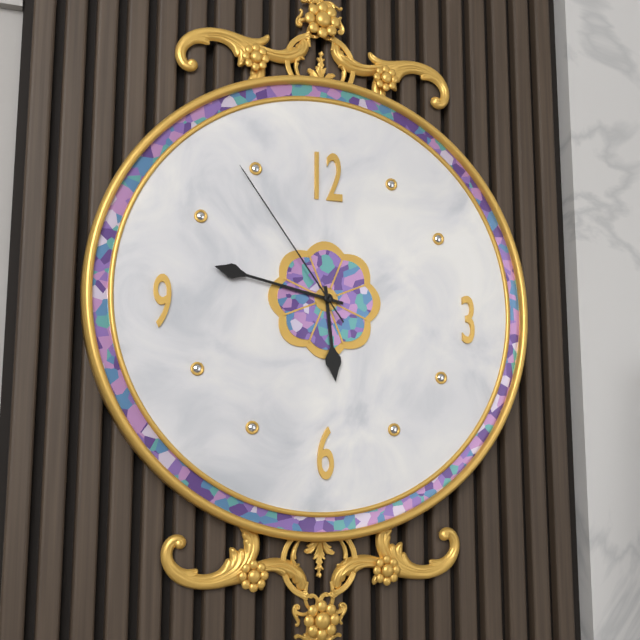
5:47:54
